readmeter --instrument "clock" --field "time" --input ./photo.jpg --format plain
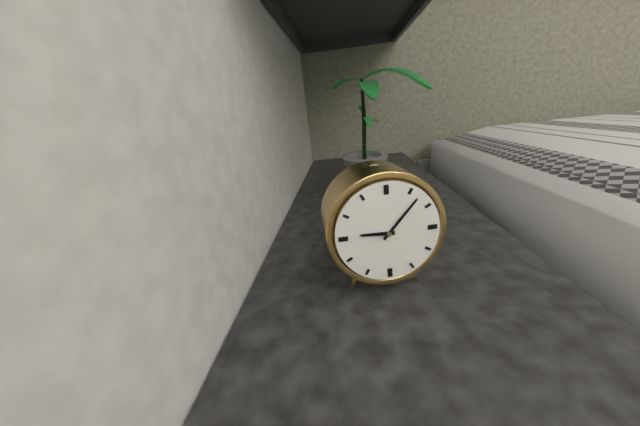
9:07
